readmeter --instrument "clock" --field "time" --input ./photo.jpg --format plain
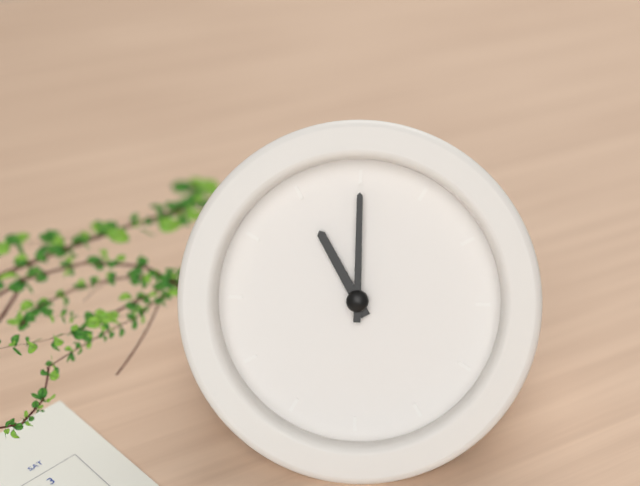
11:00
